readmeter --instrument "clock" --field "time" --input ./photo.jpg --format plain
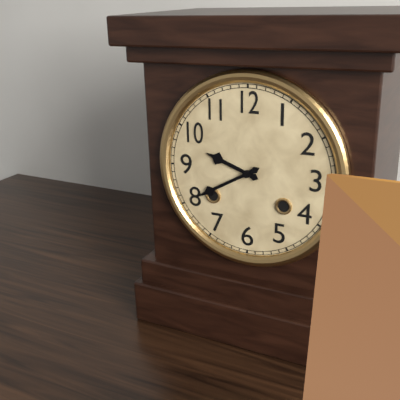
9:40
